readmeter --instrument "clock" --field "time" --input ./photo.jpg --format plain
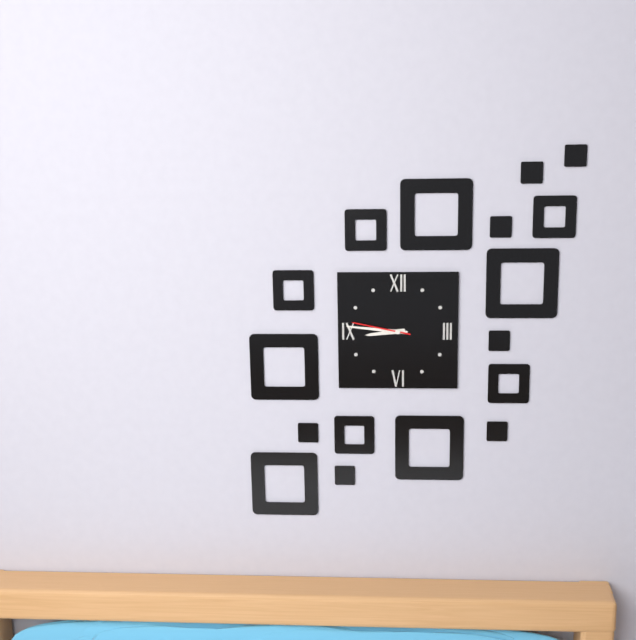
8:46:47
